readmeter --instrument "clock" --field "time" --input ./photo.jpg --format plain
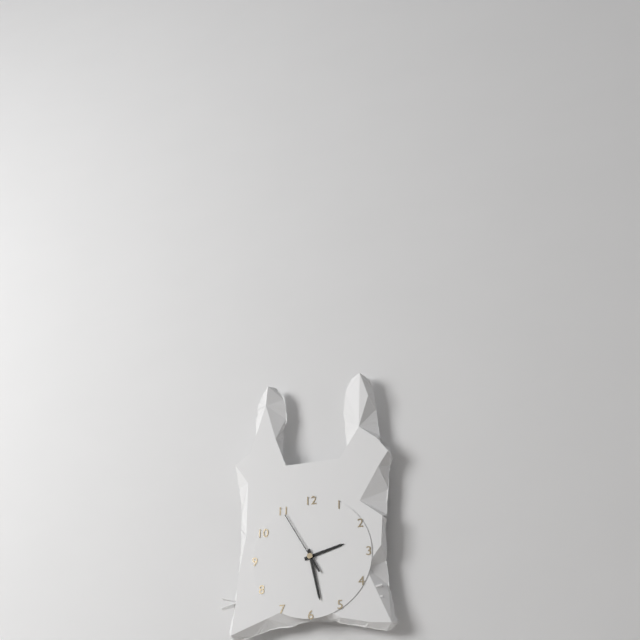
2:28:55
